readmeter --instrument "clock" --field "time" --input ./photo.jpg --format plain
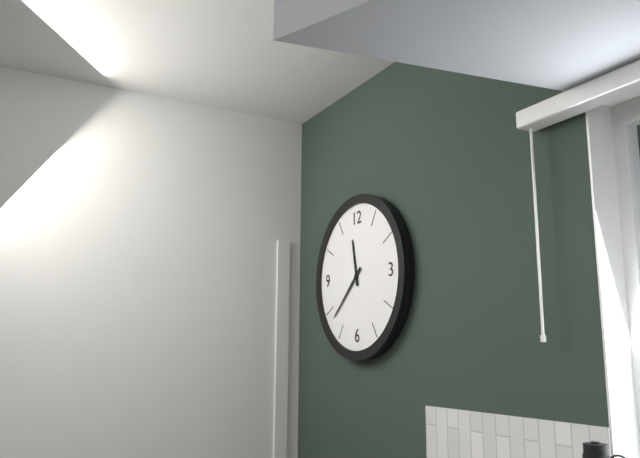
11:38
